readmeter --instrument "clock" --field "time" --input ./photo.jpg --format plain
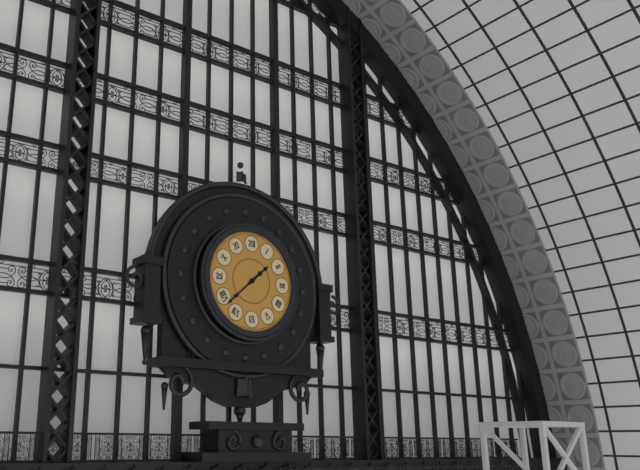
1:38
